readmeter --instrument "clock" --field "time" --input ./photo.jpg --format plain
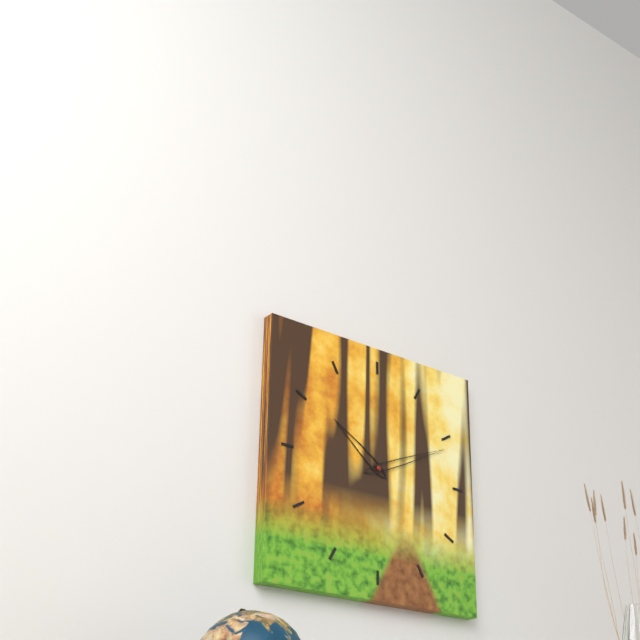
10:11
